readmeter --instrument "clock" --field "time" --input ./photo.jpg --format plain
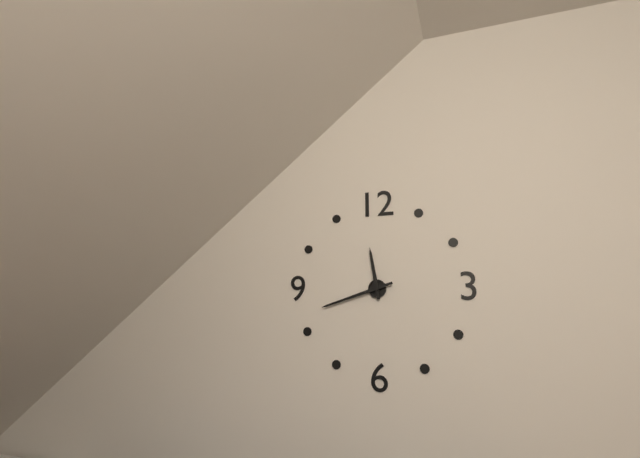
11:42
